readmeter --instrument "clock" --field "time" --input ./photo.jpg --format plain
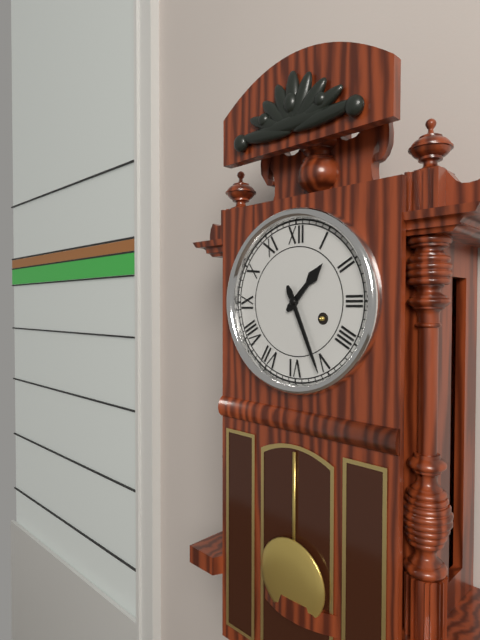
1:26
